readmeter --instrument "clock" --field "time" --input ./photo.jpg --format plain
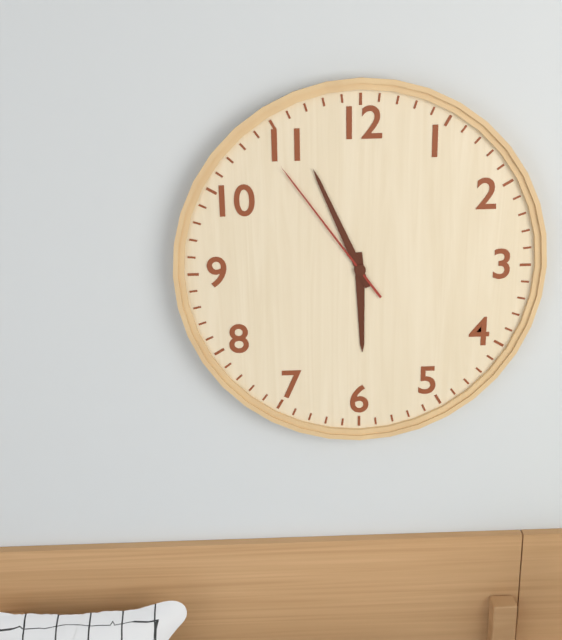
5:56:54
